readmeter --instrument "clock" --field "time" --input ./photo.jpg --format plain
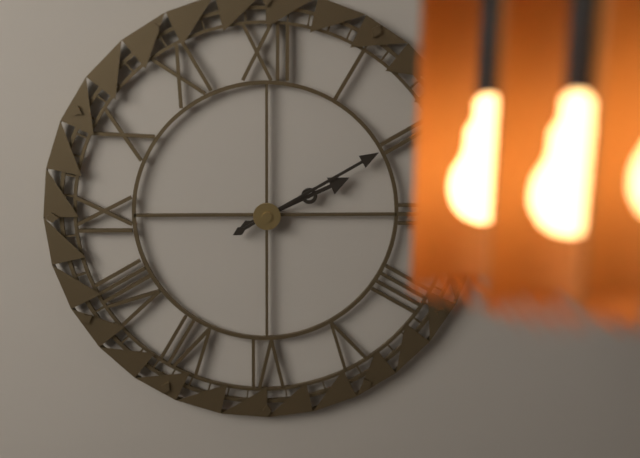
2:10
